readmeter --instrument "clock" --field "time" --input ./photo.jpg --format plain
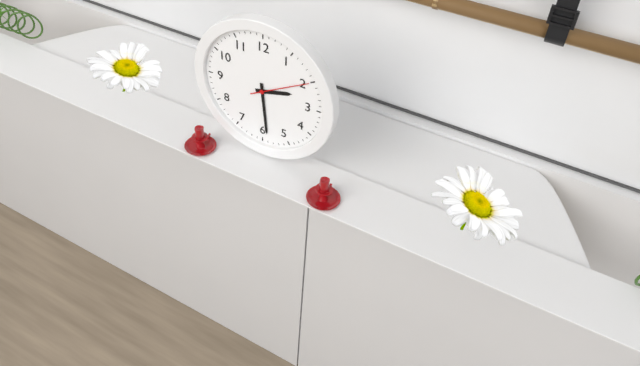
2:29:10
